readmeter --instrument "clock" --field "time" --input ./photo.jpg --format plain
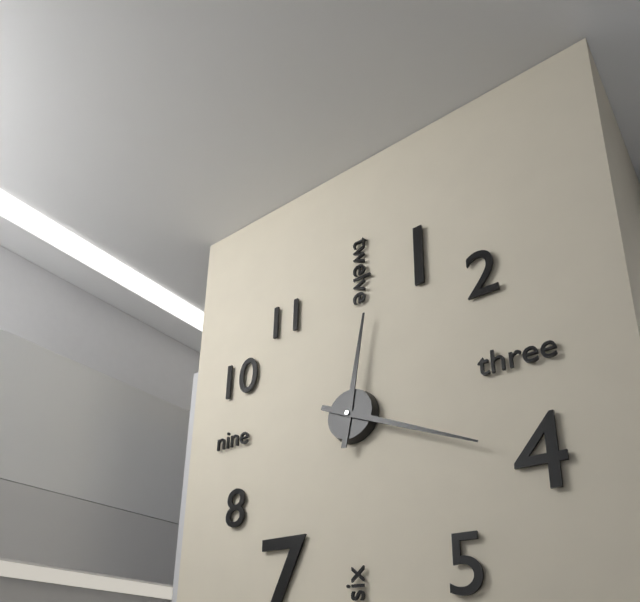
12:19
